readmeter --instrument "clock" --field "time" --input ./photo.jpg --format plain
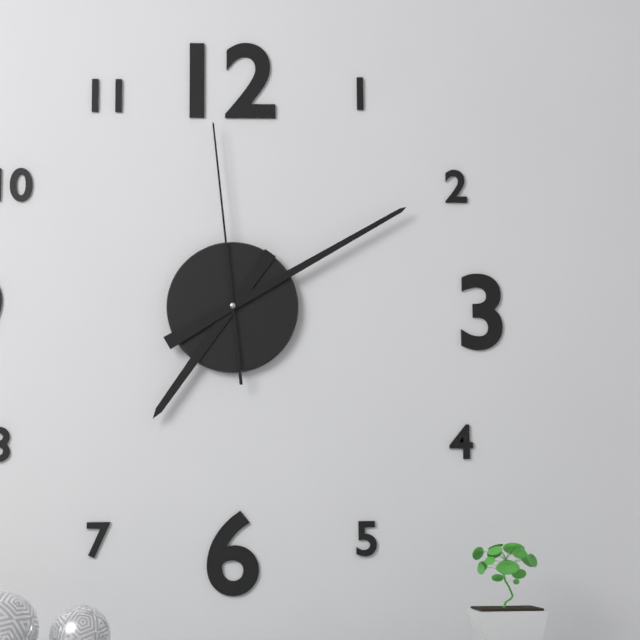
7:10:59
